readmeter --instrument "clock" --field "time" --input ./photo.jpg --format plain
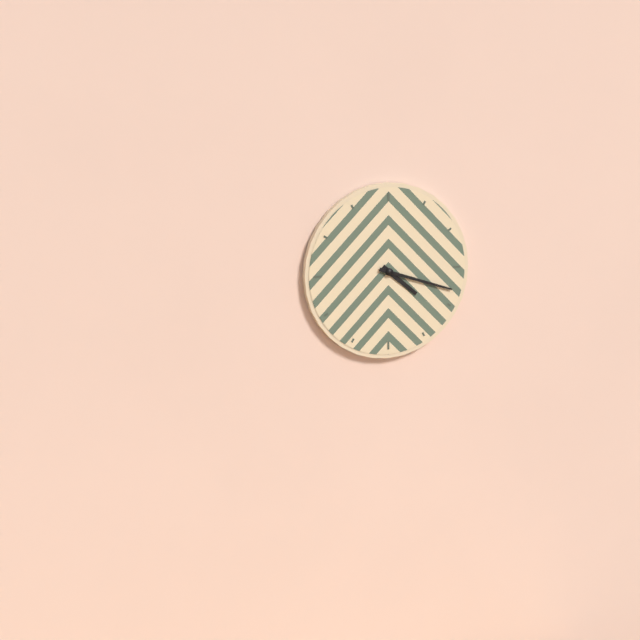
4:18
